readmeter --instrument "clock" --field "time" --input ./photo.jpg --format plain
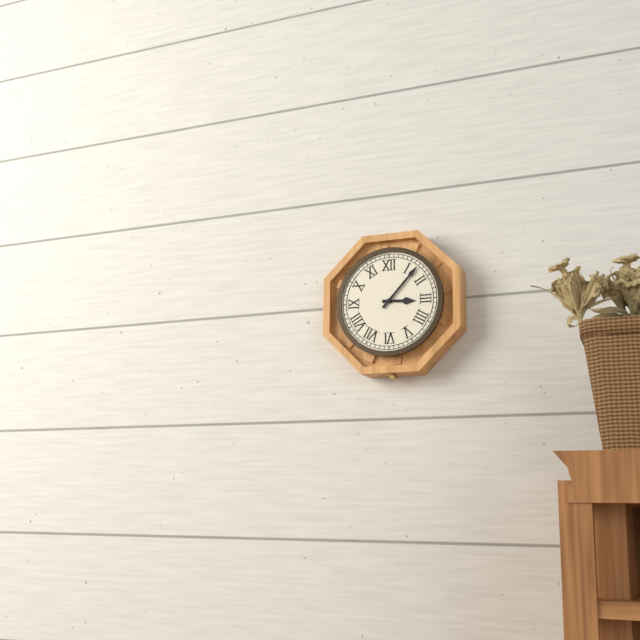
3:07
